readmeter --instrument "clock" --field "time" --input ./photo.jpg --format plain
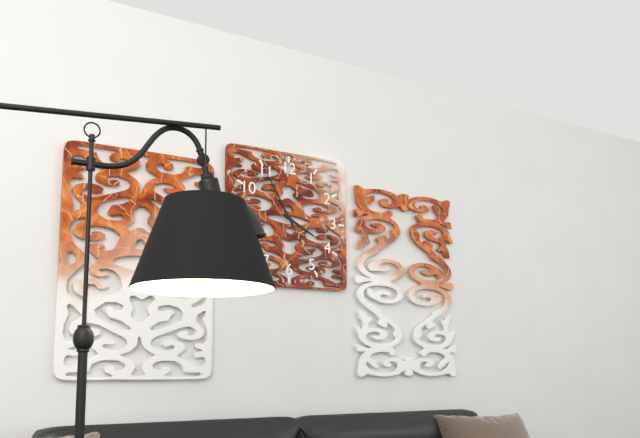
3:55
